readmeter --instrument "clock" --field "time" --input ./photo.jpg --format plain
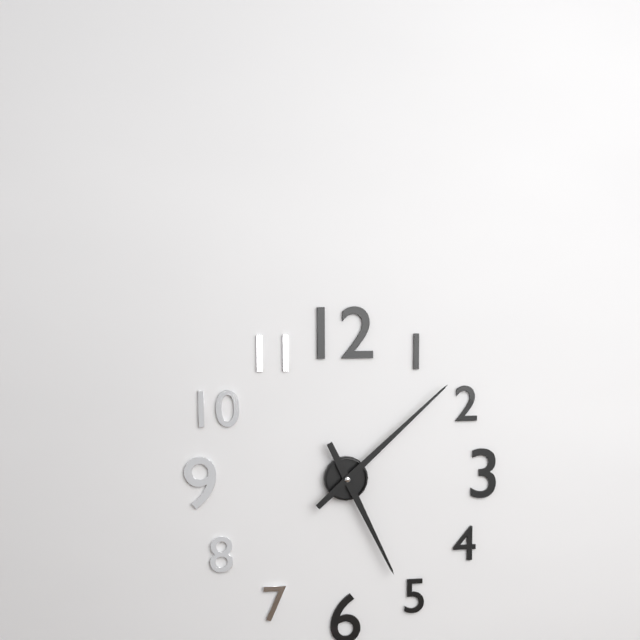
5:08
